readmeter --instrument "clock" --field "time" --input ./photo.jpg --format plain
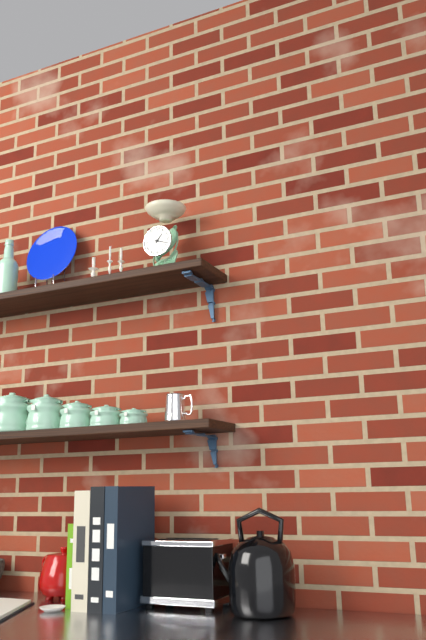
1:18
